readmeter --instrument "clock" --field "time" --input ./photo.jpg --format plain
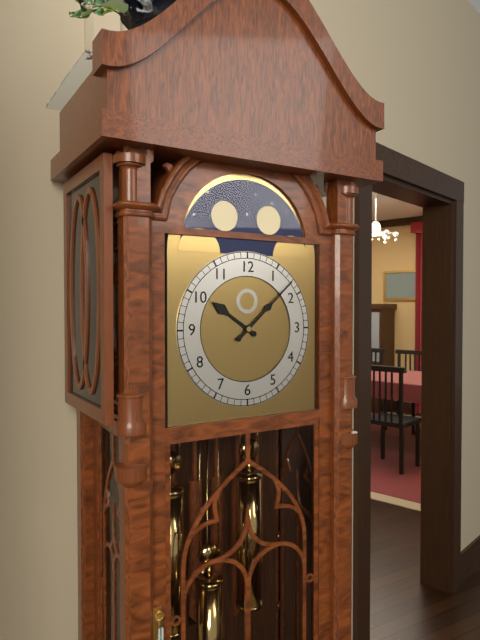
10:08
